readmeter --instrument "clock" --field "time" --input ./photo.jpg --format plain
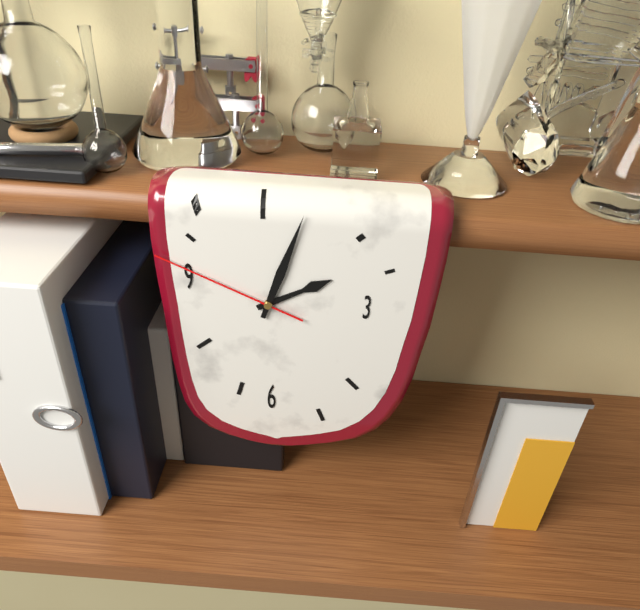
2:03:49
